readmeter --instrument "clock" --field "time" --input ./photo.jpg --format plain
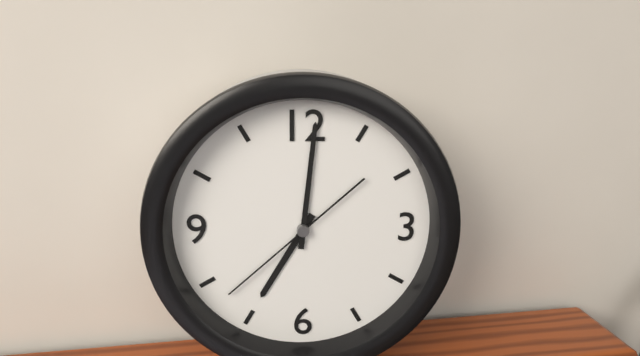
7:01:38
